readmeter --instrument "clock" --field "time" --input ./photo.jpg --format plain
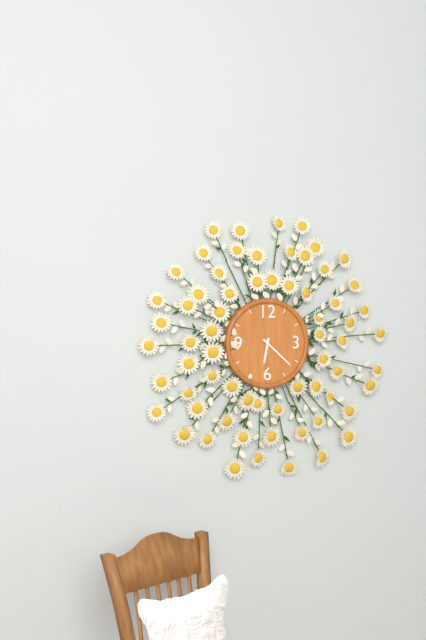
6:22
